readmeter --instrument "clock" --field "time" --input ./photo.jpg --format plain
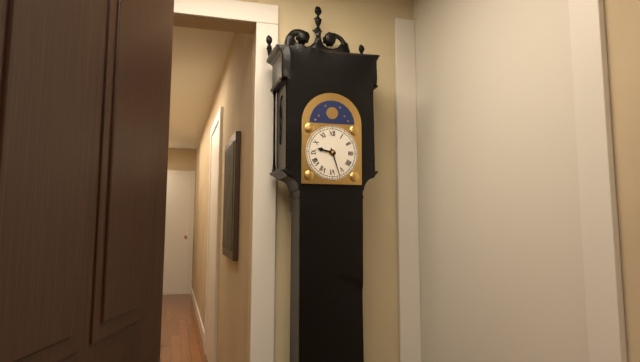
9:27
